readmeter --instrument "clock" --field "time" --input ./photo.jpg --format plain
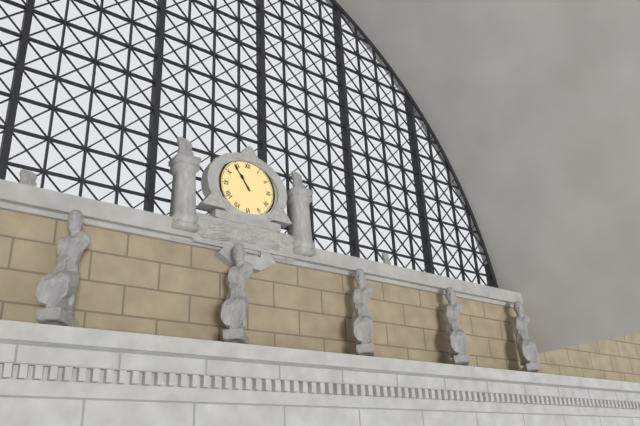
10:54
